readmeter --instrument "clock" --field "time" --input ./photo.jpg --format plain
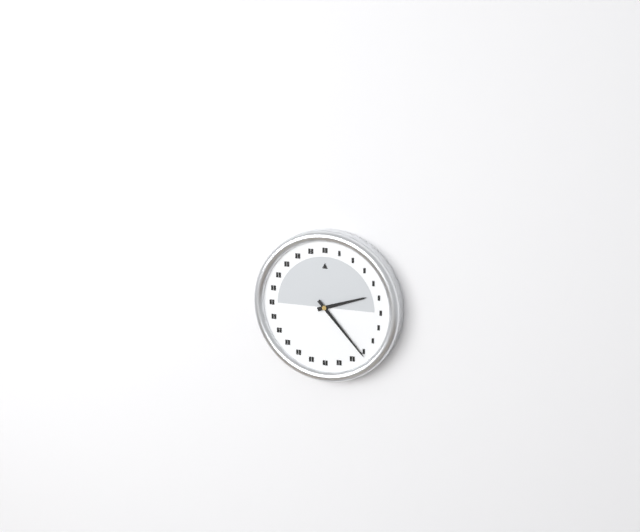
2:23
